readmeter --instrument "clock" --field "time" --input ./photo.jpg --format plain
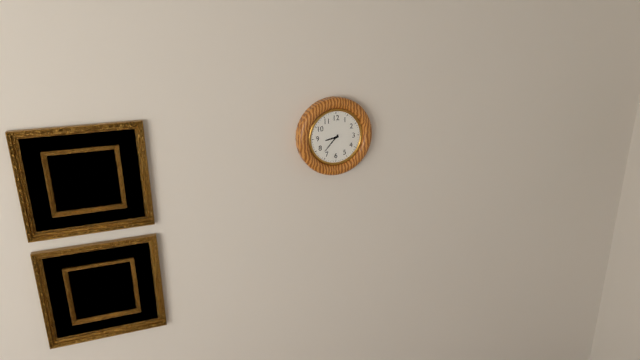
8:37
